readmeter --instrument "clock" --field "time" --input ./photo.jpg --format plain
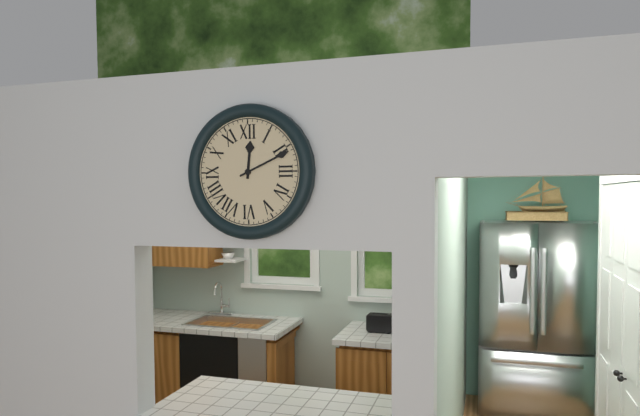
12:11
